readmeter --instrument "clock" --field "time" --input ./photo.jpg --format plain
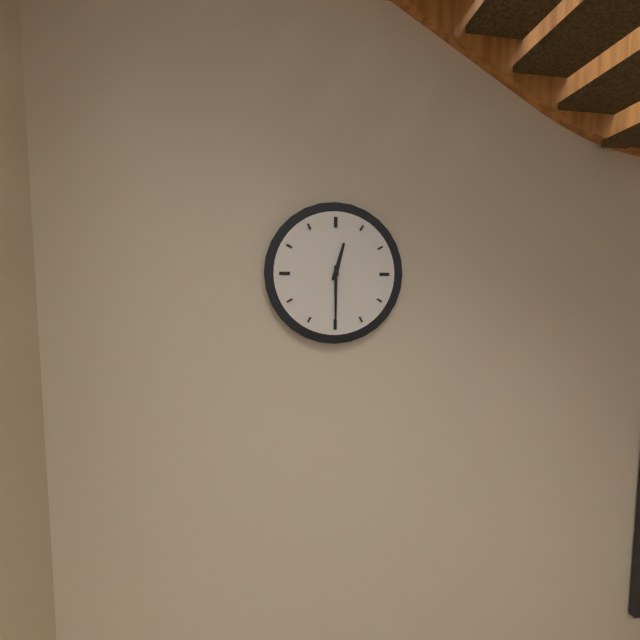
12:30
